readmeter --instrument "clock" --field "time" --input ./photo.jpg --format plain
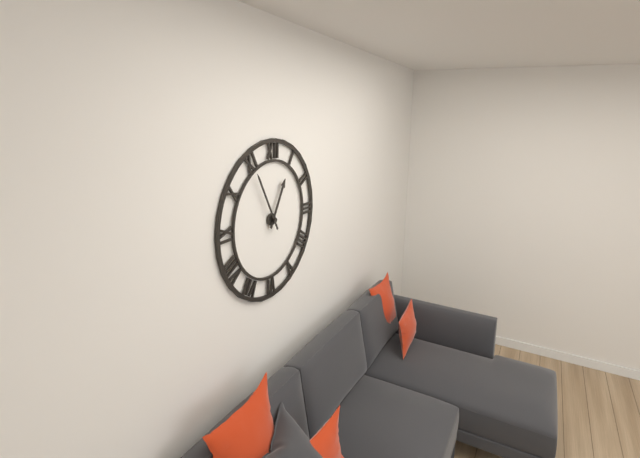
12:55
